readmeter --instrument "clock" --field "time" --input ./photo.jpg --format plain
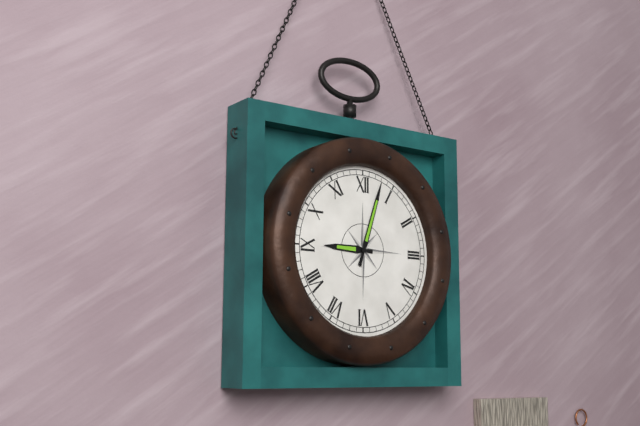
9:03
